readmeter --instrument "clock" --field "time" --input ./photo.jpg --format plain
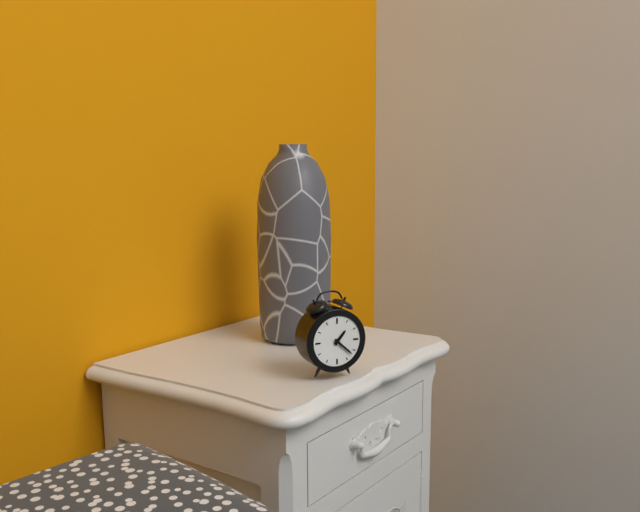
1:22
